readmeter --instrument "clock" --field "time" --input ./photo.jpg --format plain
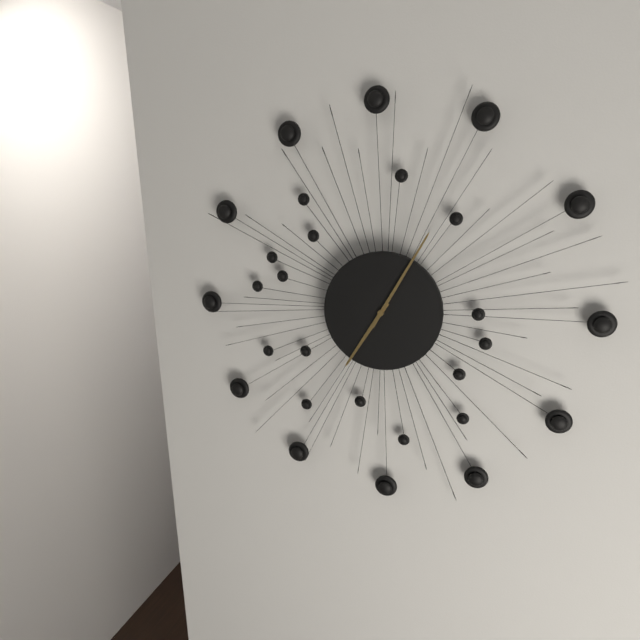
7:05
